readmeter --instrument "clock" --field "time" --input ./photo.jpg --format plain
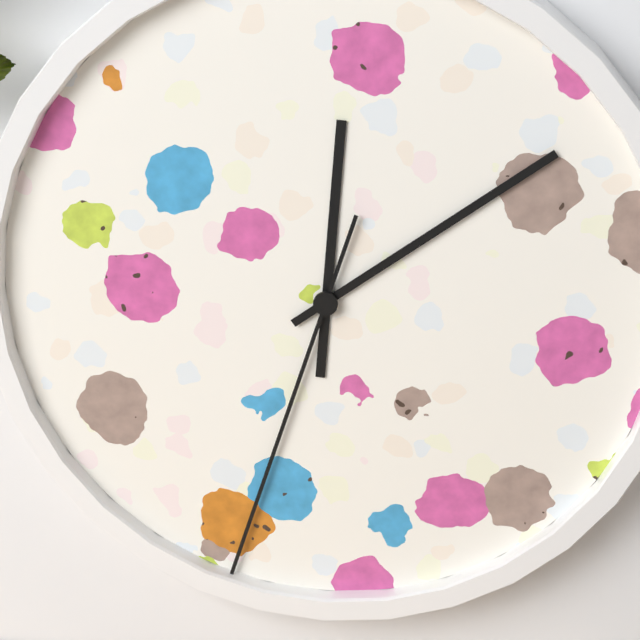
12:09:33
